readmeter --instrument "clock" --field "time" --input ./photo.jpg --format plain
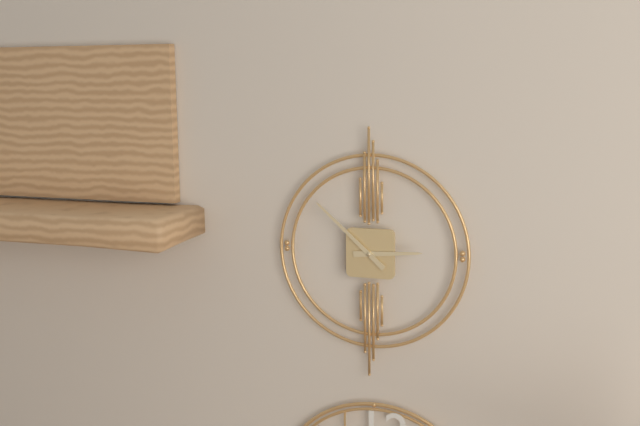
2:52
